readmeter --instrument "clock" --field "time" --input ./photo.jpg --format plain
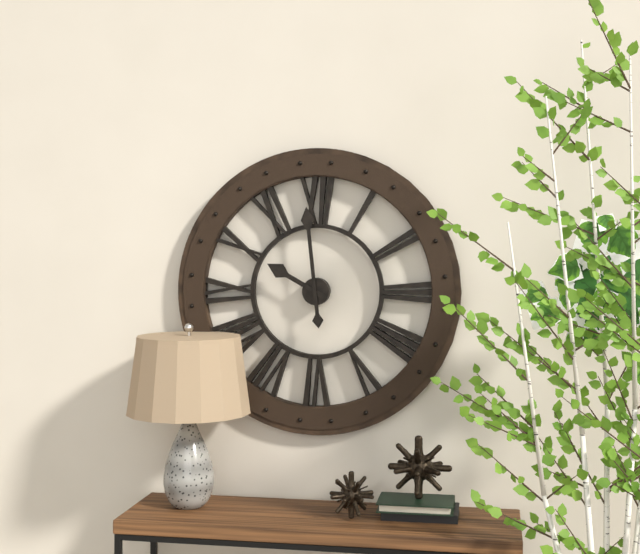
9:59
